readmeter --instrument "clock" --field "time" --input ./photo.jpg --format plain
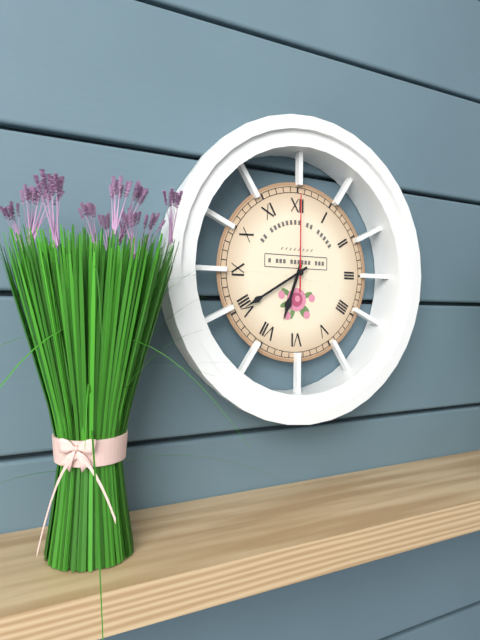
6:40:00
